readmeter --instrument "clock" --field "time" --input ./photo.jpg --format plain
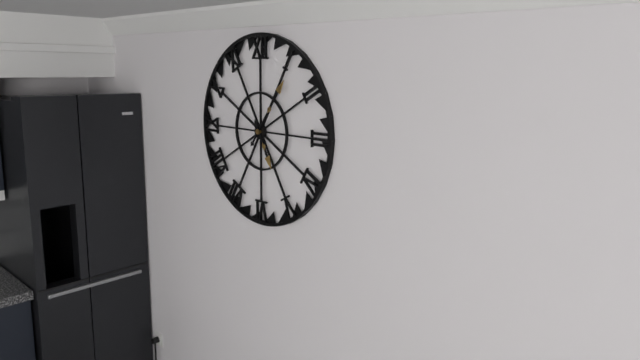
5:06
